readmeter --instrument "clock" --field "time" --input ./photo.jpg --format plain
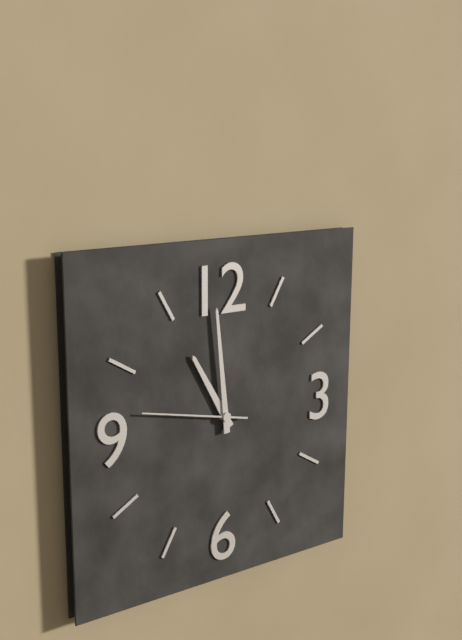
10:59:47
